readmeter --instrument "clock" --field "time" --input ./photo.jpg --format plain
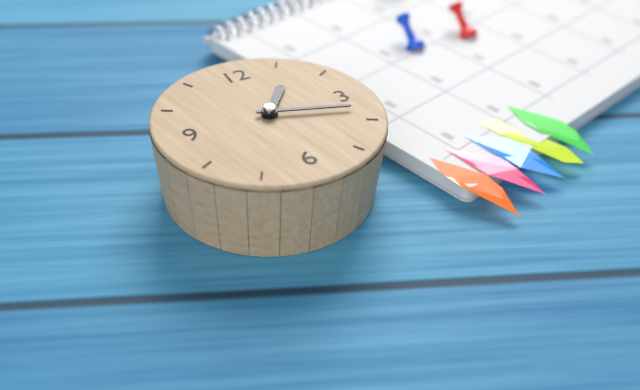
1:18
